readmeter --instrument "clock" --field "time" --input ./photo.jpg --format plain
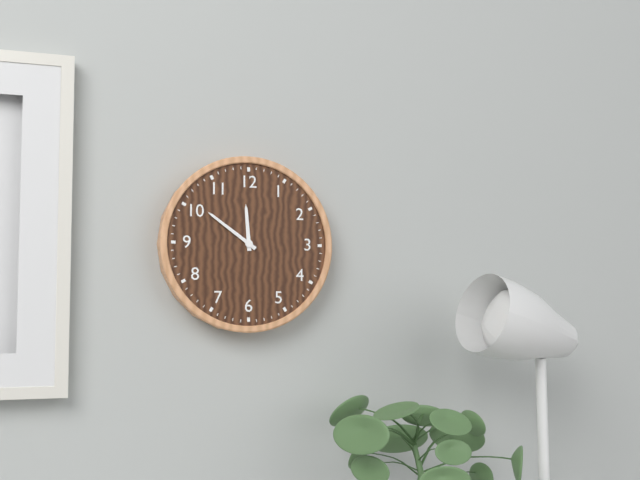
11:51
